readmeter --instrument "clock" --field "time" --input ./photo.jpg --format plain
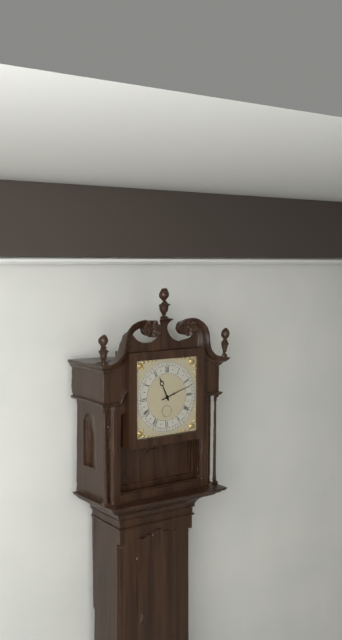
11:12
